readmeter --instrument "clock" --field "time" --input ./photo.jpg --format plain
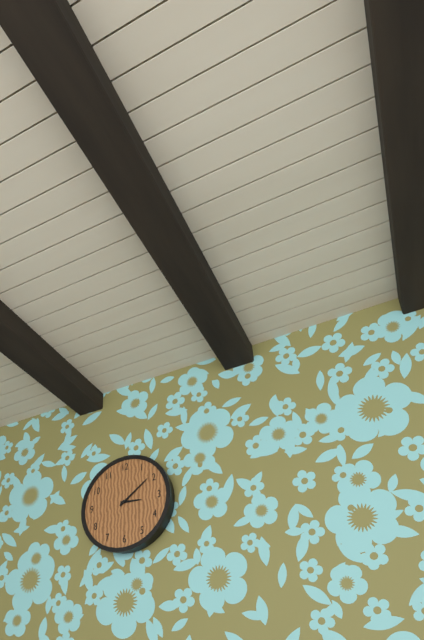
3:09
